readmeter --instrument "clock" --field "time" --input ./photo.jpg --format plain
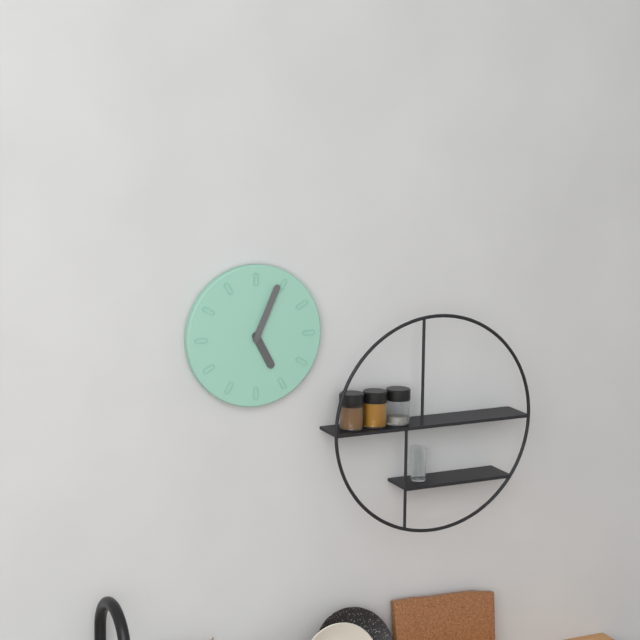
5:04
